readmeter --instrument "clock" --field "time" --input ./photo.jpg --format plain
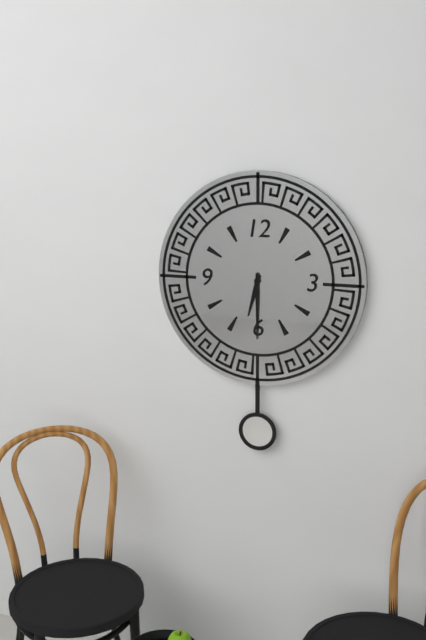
6:30
